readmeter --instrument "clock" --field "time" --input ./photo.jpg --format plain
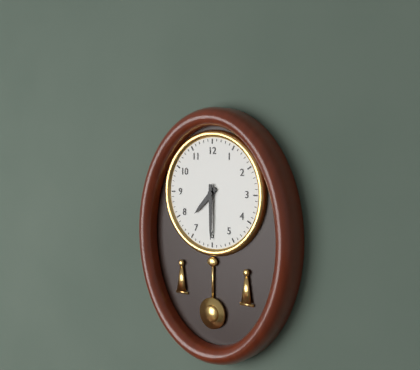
7:30
